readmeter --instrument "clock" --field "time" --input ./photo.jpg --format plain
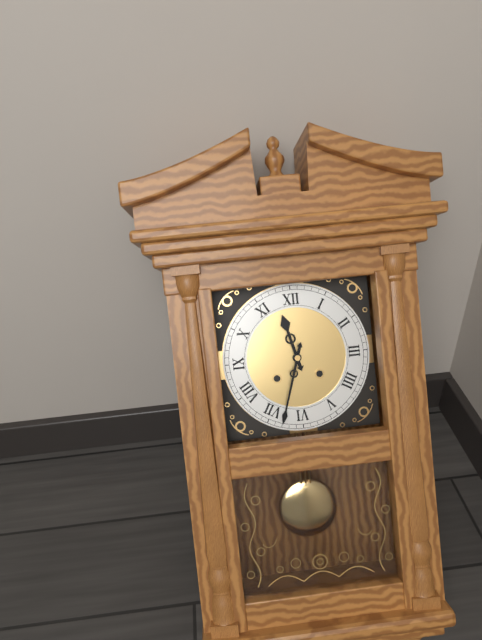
11:33
